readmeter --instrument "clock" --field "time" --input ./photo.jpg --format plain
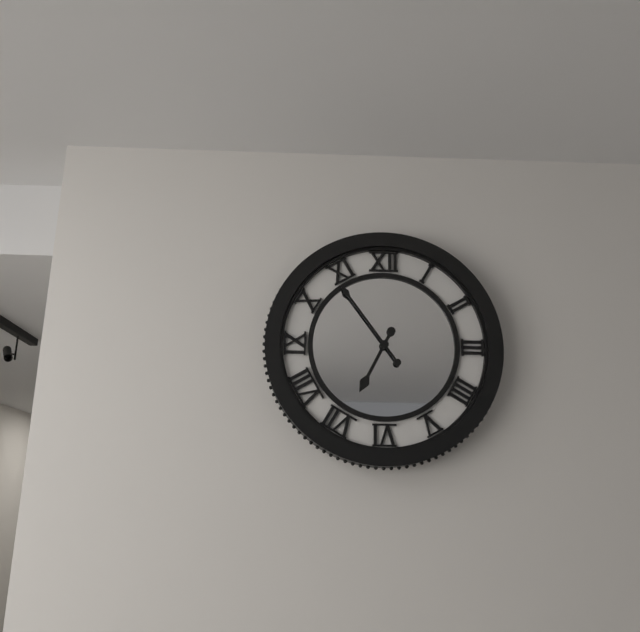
6:54
